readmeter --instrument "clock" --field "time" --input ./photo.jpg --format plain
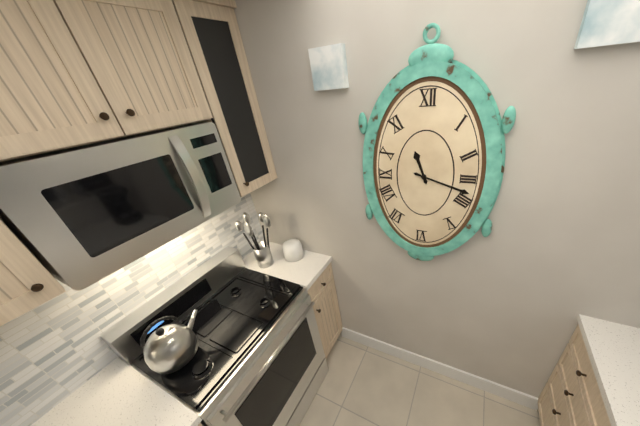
11:18
